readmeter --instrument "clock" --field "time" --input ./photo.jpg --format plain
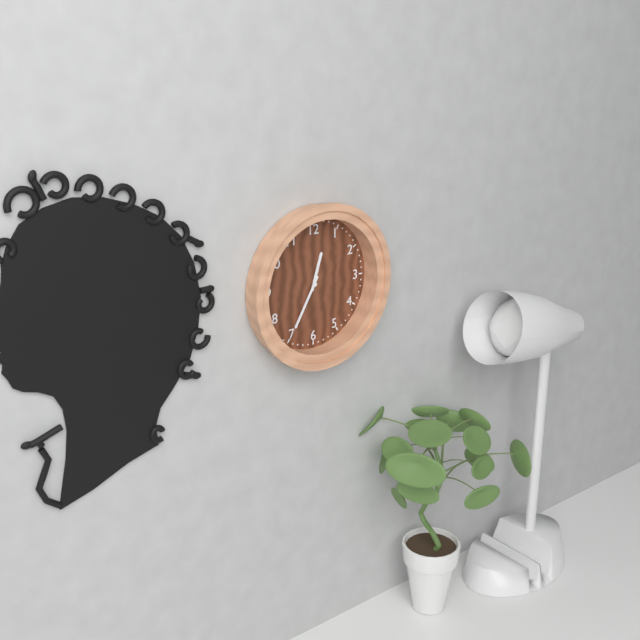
12:35
